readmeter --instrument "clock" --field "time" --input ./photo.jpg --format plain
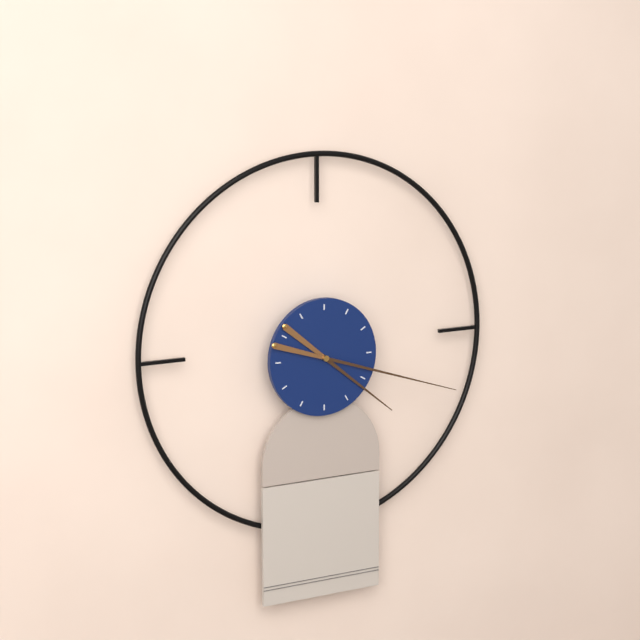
4:18
